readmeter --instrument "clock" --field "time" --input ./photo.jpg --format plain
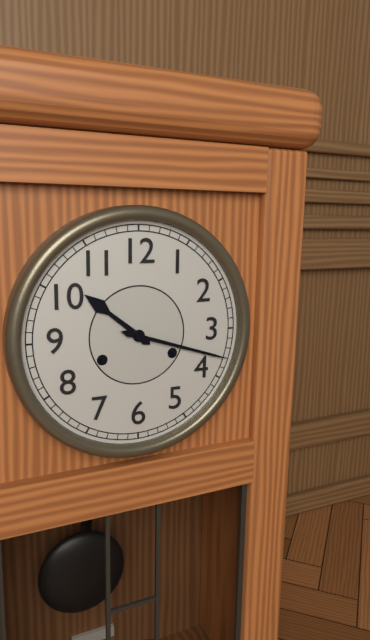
10:18
